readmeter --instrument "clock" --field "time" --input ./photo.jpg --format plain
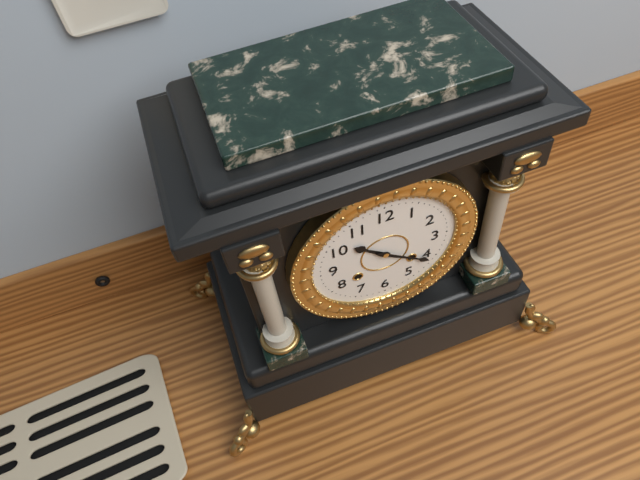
10:21
